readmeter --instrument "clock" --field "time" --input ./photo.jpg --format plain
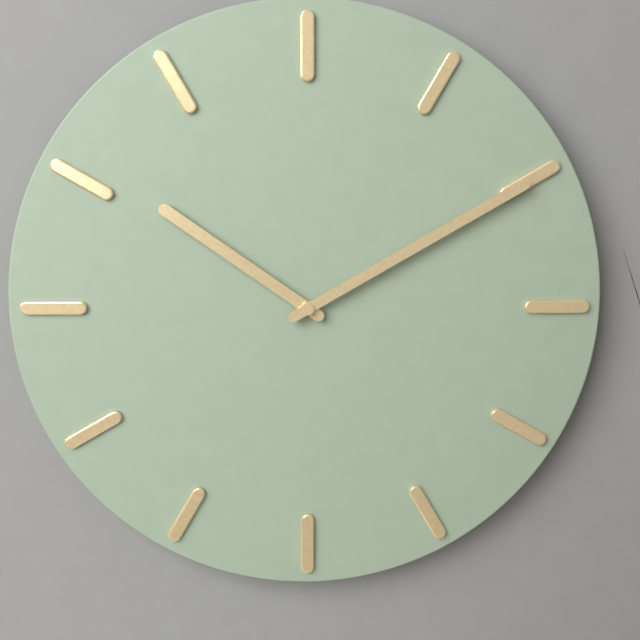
10:10
